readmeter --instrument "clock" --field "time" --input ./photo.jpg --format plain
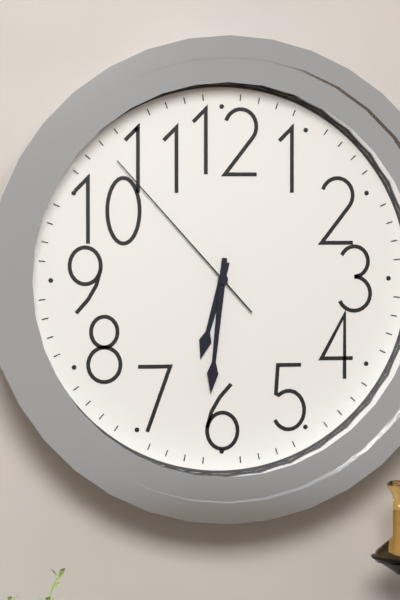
6:31:53
